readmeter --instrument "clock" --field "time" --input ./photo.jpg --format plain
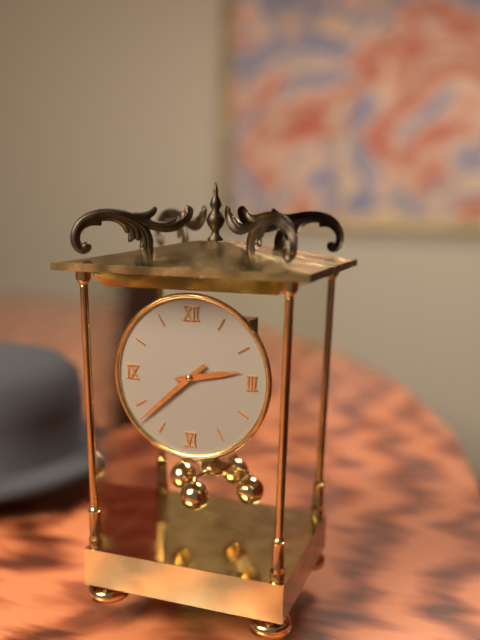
2:38
